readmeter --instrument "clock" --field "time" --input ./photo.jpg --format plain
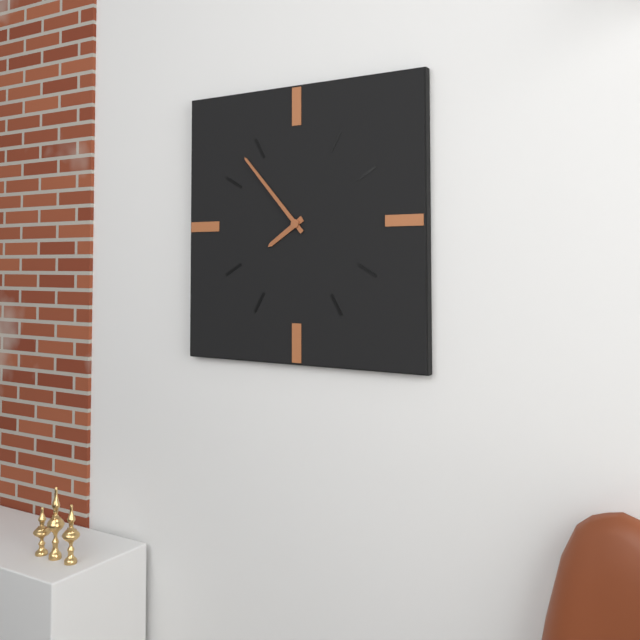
7:53
